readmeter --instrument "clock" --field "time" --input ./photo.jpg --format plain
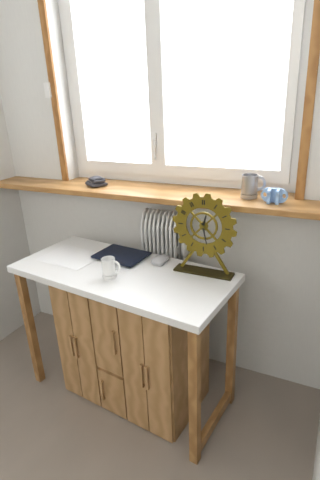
12:28
